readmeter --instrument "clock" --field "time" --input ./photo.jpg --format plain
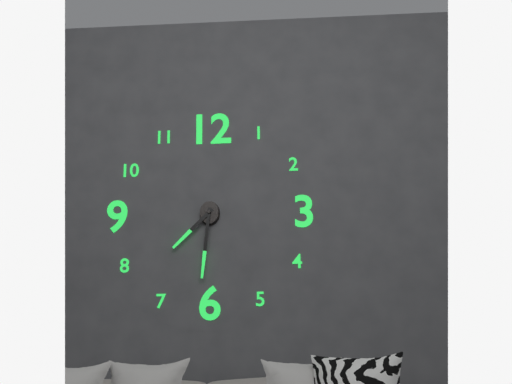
7:31
